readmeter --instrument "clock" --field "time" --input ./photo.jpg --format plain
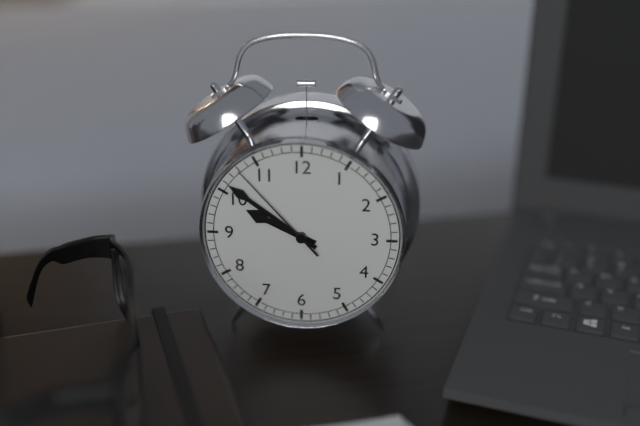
9:51:53
